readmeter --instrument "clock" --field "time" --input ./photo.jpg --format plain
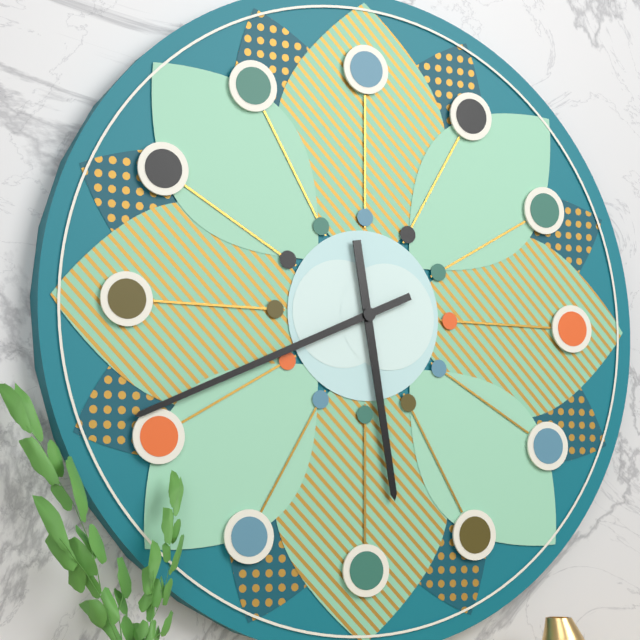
5:41
